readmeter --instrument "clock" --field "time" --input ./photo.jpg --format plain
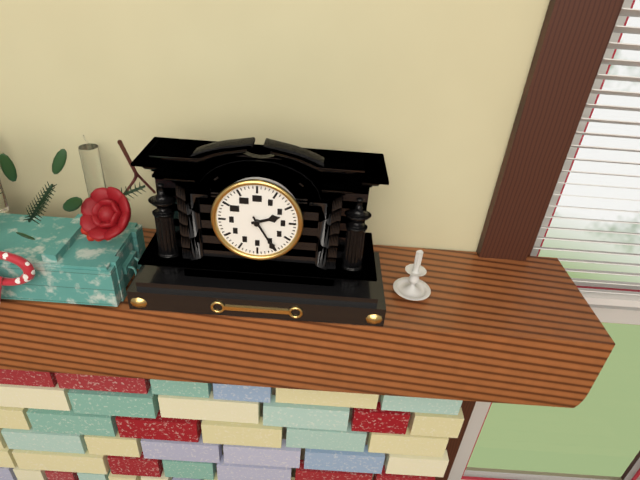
2:25
